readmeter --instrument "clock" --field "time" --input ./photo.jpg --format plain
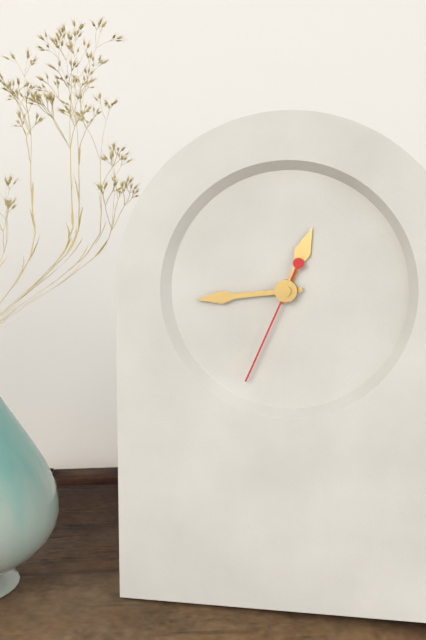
12:44:34
